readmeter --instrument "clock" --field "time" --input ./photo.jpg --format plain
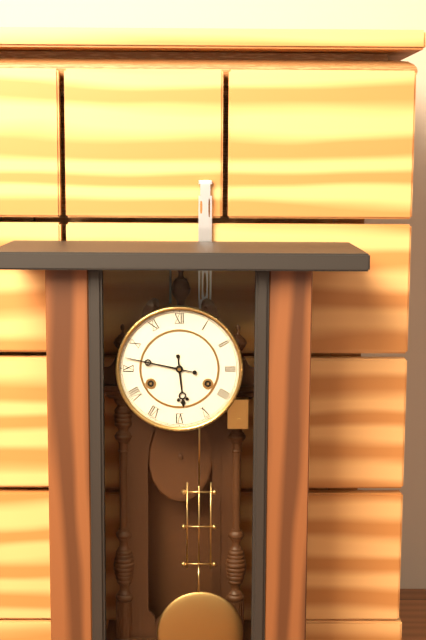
5:47
